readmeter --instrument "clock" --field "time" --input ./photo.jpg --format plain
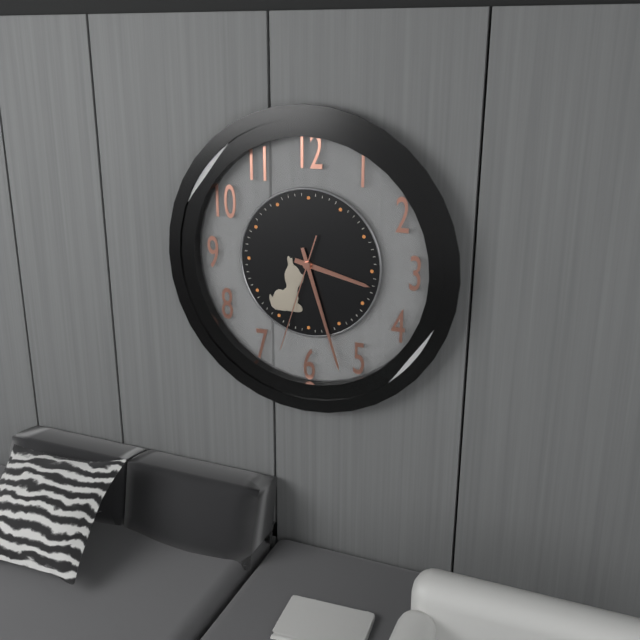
3:27:33
